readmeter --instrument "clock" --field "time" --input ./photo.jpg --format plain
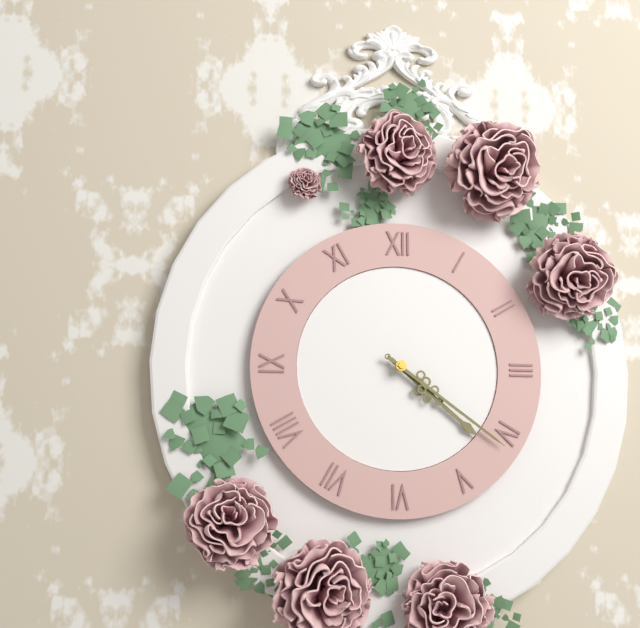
4:21
